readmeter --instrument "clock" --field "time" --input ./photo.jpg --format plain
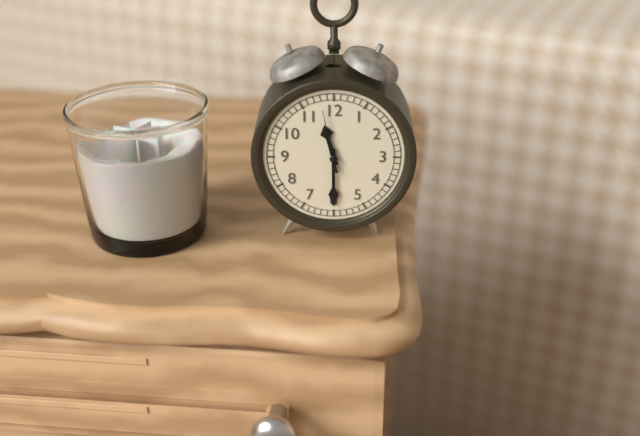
11:30:58
